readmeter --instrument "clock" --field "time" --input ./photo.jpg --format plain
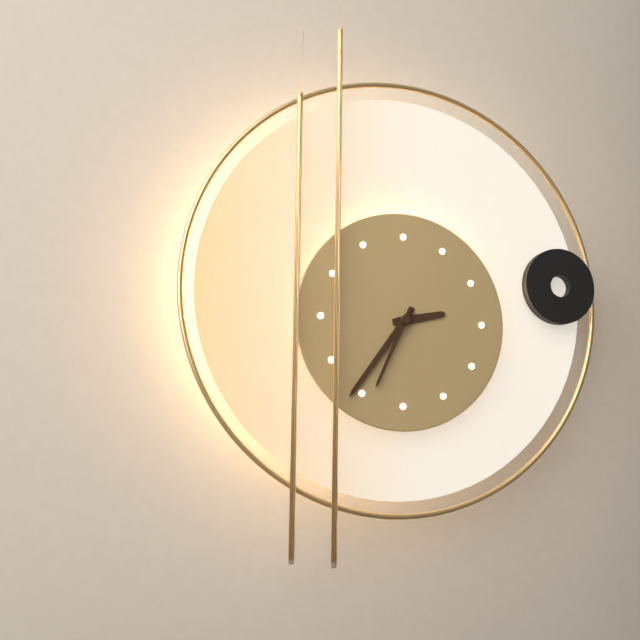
2:36:34
